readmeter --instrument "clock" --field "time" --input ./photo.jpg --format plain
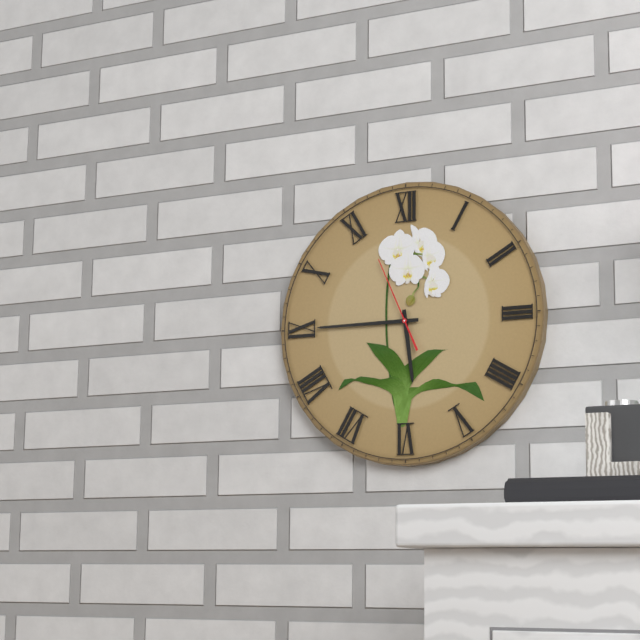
5:45:56
